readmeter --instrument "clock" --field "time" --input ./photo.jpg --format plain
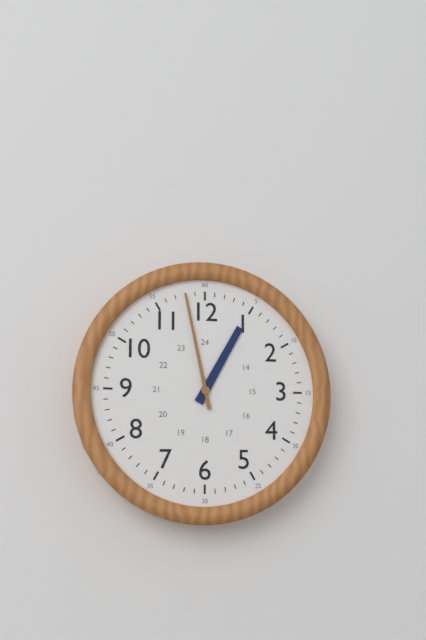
12:58
